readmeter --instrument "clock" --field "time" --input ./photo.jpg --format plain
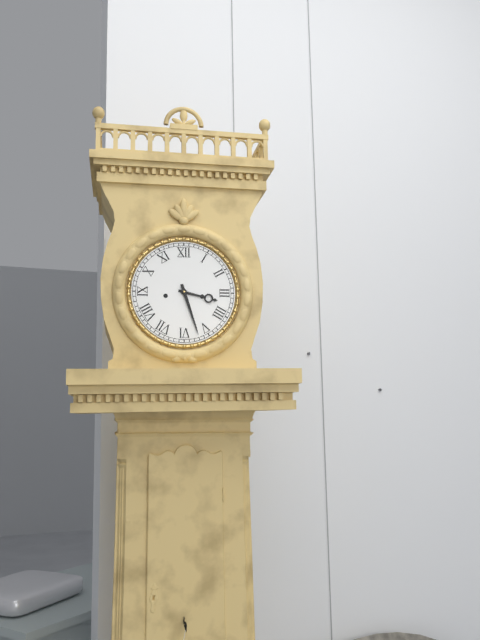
3:27
